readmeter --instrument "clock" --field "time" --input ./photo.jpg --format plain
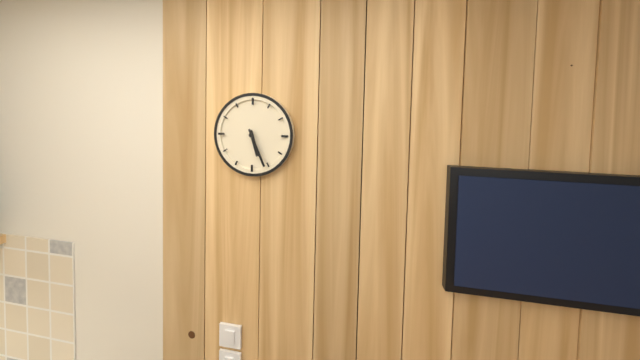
5:26
